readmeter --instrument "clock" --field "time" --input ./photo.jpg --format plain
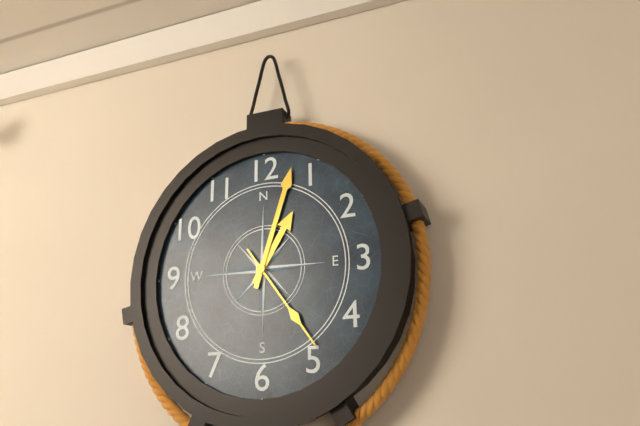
1:03:24
